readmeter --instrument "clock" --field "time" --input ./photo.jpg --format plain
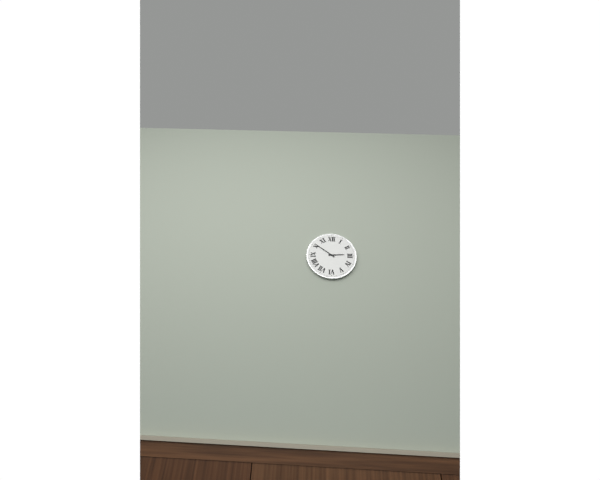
2:51
